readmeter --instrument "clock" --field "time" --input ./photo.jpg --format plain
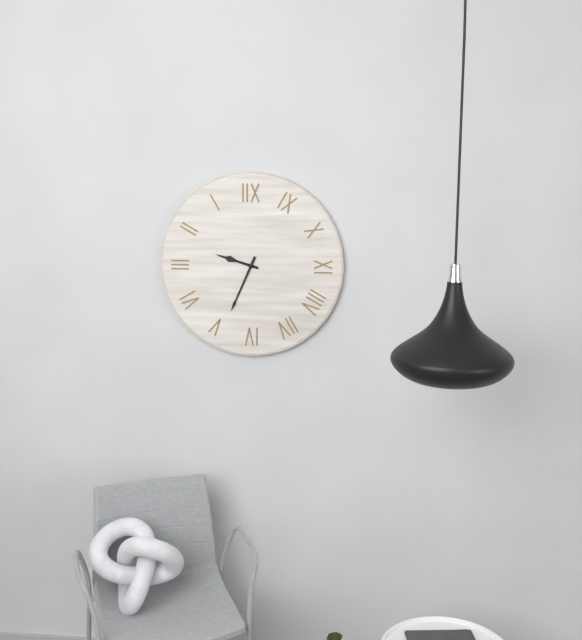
9:34
